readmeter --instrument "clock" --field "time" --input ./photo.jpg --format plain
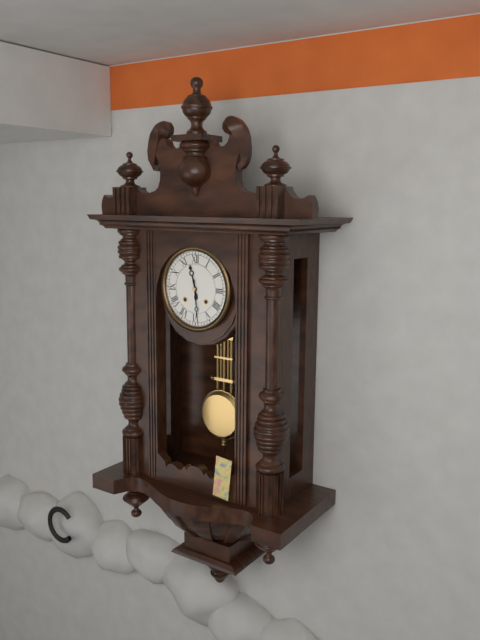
11:29
